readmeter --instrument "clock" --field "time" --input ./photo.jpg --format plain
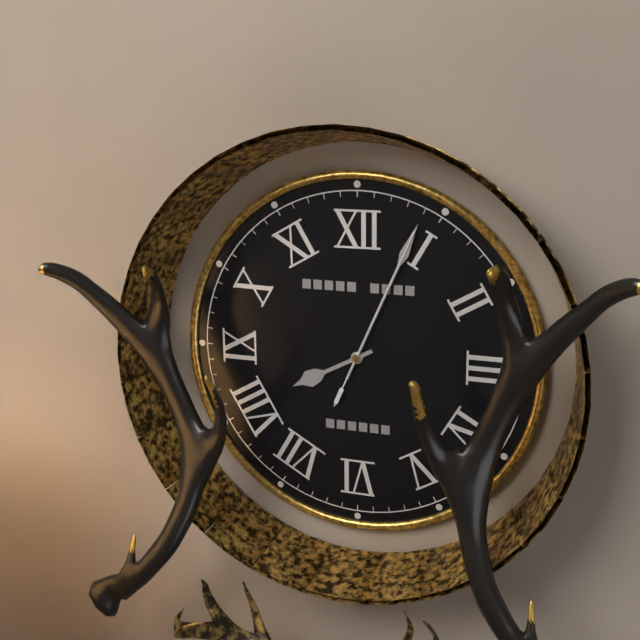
8:04:04
